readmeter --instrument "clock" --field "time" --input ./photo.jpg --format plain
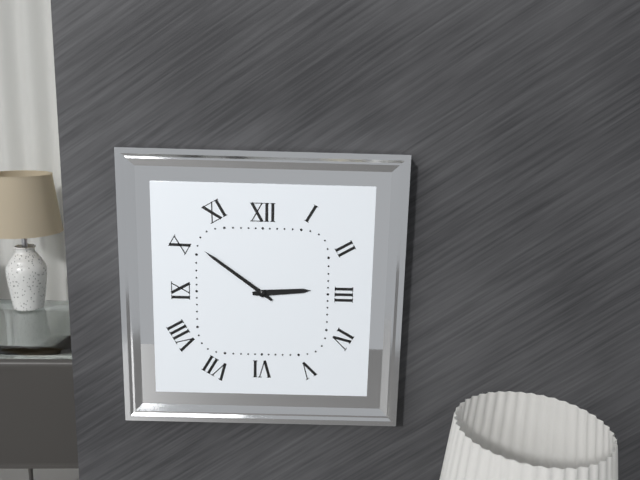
2:51
